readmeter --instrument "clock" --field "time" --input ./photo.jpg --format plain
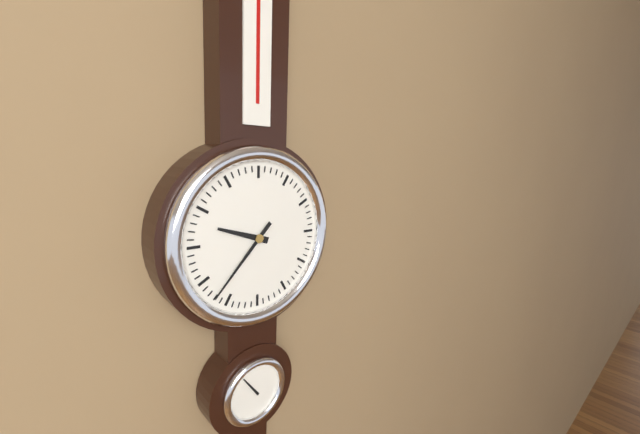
9:37
